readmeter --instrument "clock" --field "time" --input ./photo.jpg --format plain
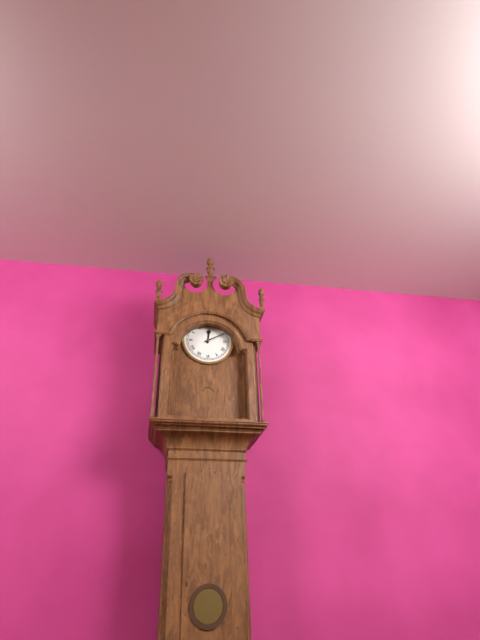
12:10
